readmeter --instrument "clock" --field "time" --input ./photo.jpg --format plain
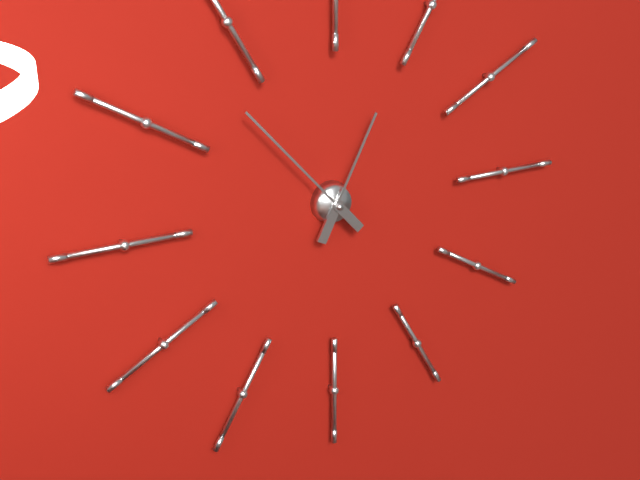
12:53
